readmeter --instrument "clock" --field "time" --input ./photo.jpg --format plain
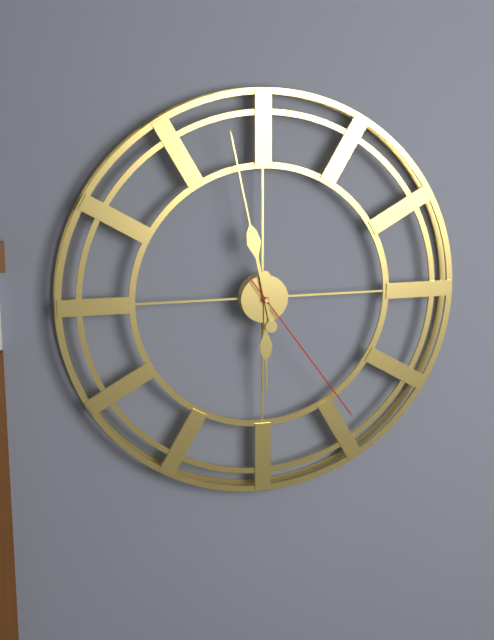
5:58:24
